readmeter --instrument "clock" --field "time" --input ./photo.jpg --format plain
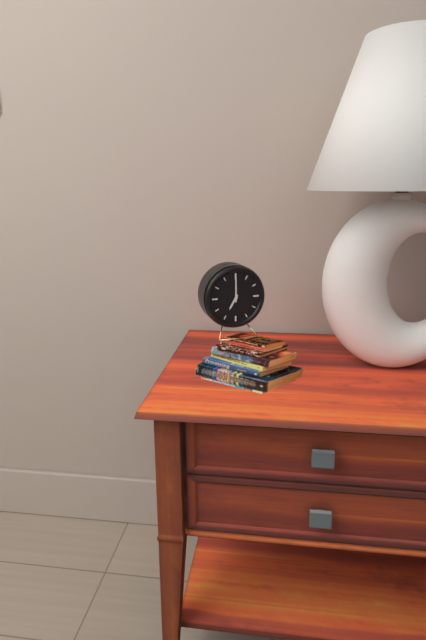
7:00
